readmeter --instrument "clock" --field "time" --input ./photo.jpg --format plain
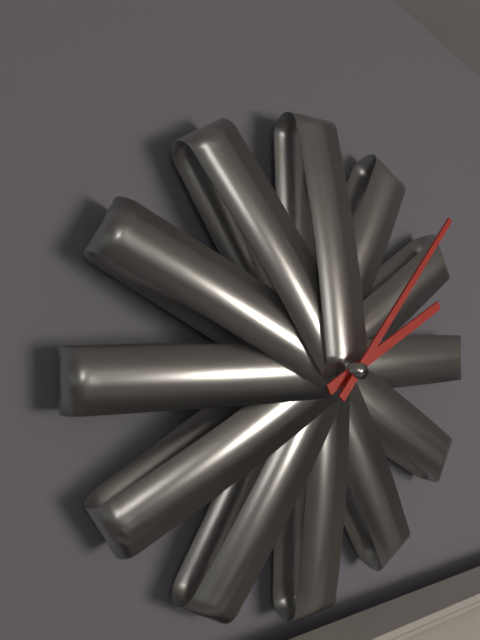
2:07
